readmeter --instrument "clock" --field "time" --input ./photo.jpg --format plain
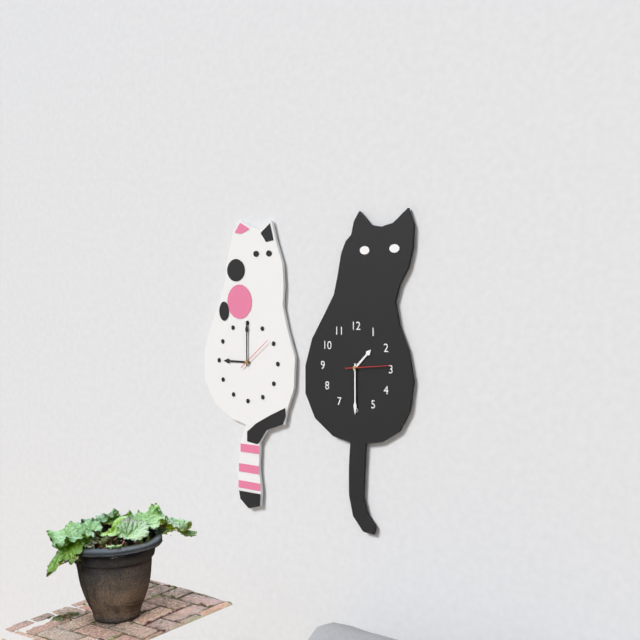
1:30
